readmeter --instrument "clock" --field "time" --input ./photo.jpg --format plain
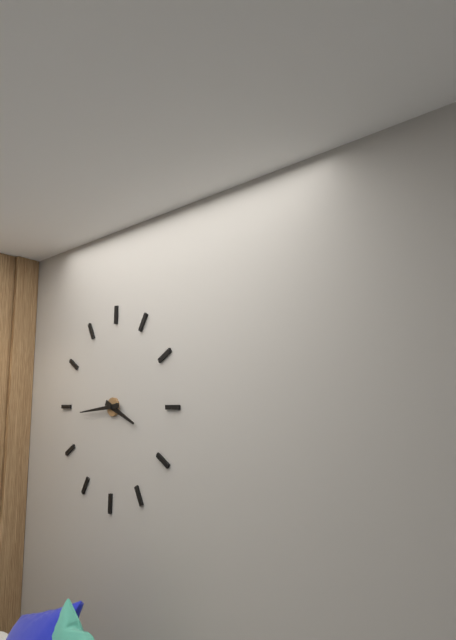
3:44
